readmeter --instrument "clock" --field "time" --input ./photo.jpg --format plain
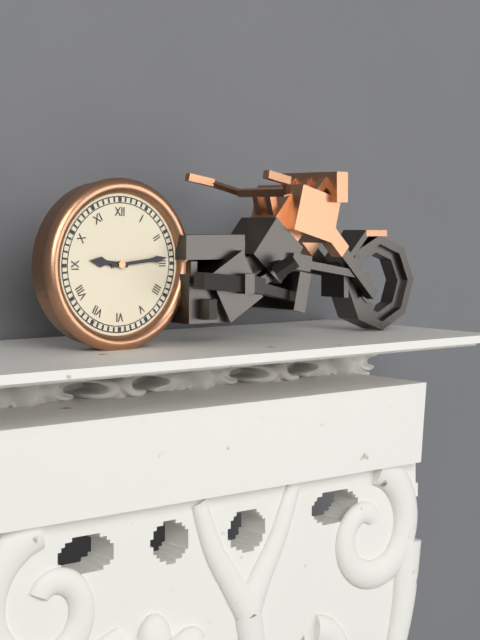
9:14
